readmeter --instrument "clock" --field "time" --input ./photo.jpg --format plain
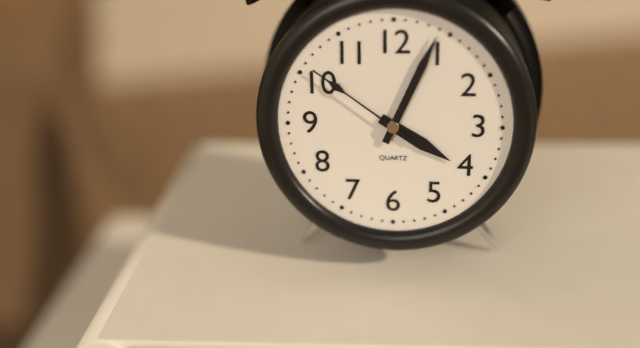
4:04:51
